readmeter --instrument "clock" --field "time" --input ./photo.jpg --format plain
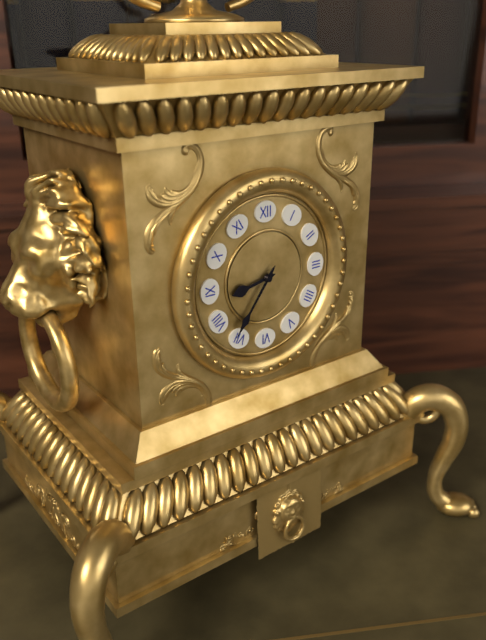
8:36
